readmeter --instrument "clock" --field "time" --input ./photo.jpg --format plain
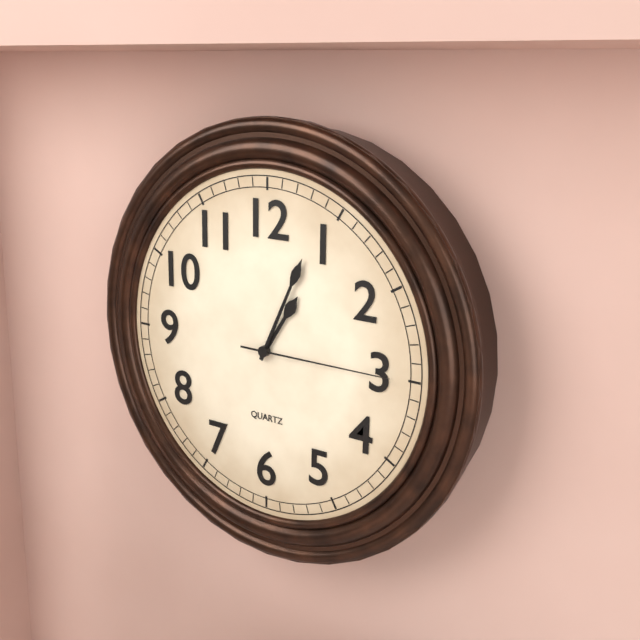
1:04:15
